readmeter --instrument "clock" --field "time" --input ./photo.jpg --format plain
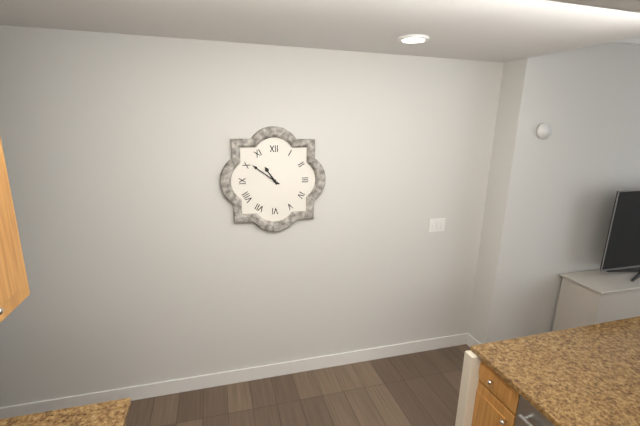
10:51
